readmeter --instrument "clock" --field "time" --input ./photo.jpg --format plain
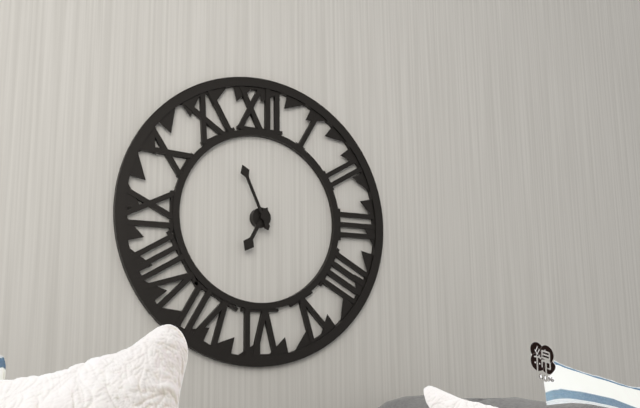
6:56
